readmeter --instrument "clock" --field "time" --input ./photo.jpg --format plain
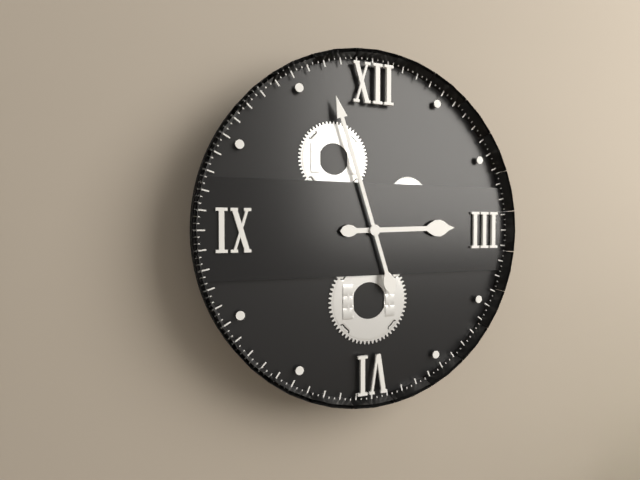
2:57
